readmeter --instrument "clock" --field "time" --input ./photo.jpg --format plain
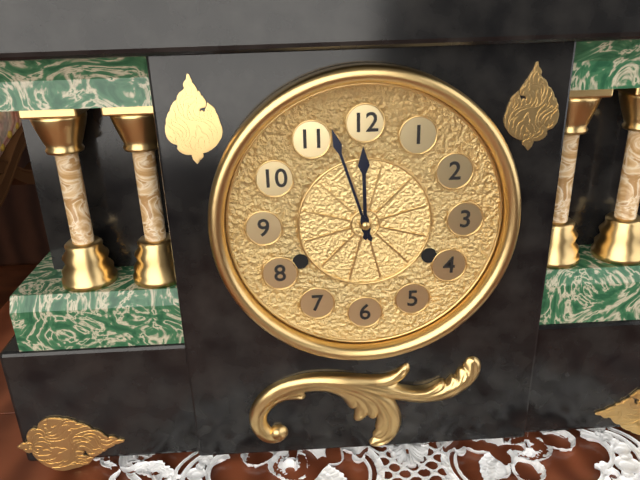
11:57
